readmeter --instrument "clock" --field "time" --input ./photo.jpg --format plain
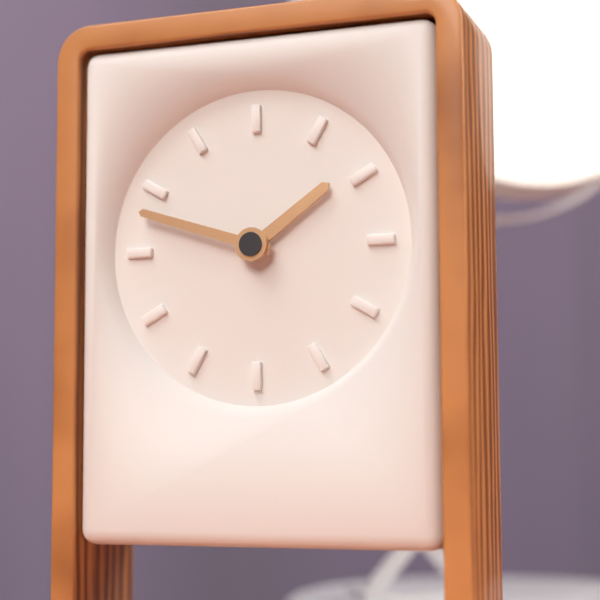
1:48
